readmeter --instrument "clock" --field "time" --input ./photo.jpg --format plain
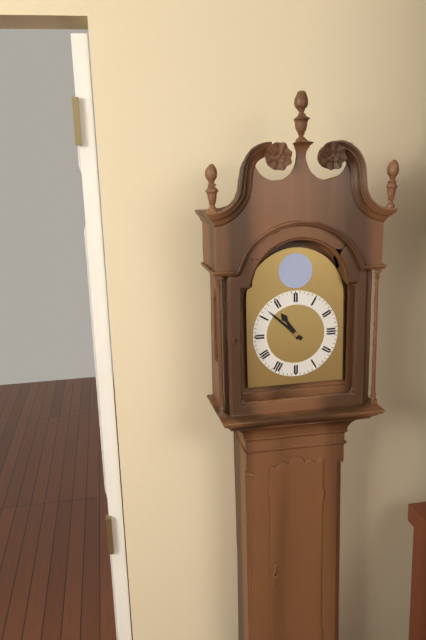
10:52
